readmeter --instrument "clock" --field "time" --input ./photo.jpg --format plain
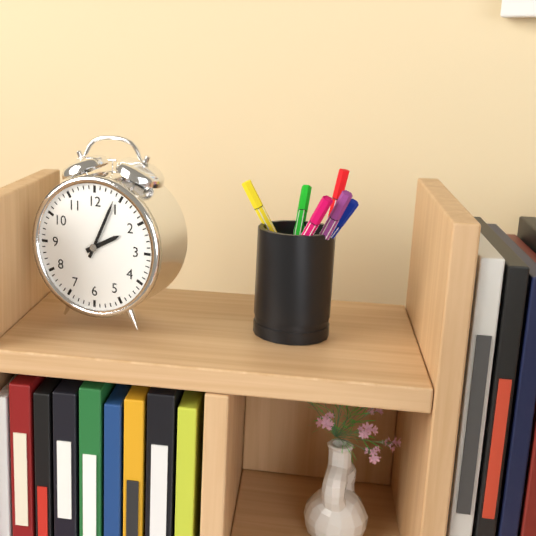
2:04
